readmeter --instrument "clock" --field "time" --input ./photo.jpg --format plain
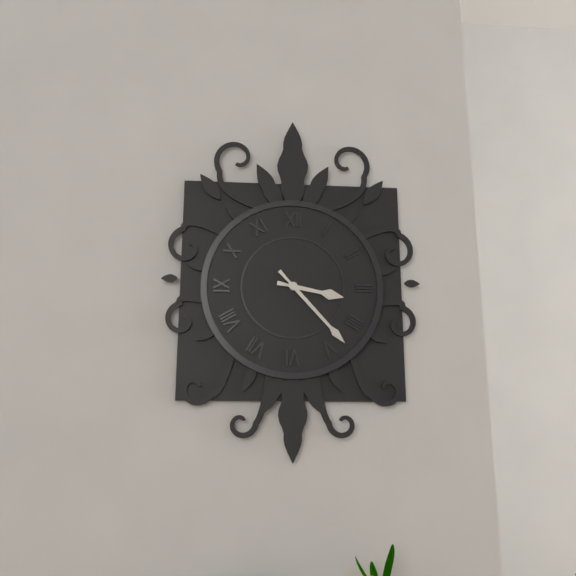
3:23
